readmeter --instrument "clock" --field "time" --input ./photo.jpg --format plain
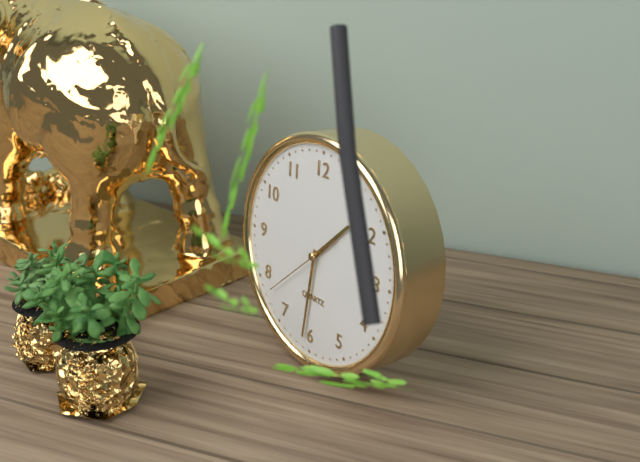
1:31:38
